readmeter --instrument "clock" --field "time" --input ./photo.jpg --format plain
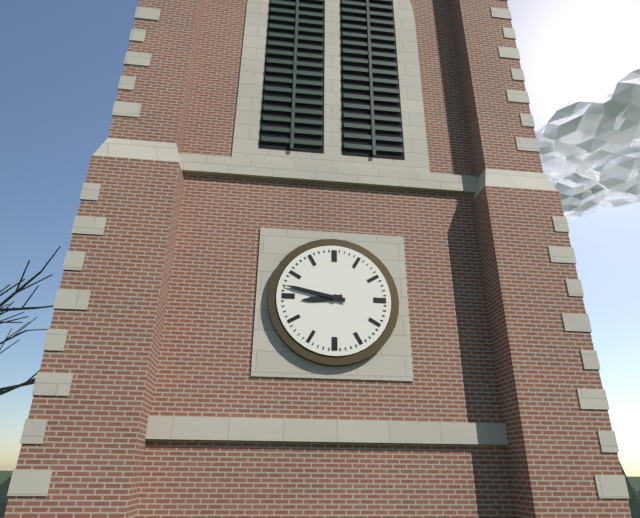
8:47
